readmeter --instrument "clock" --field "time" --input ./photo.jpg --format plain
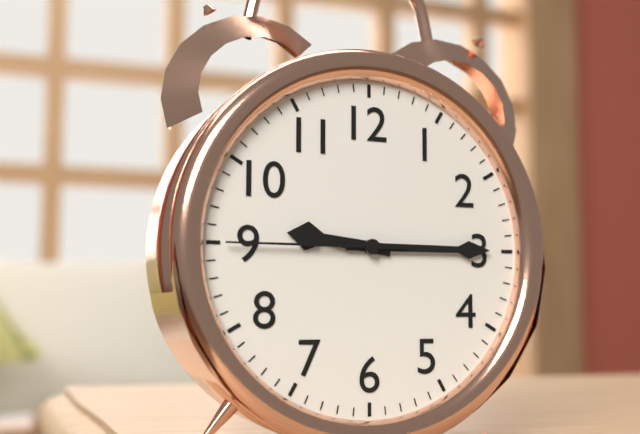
9:15:45
